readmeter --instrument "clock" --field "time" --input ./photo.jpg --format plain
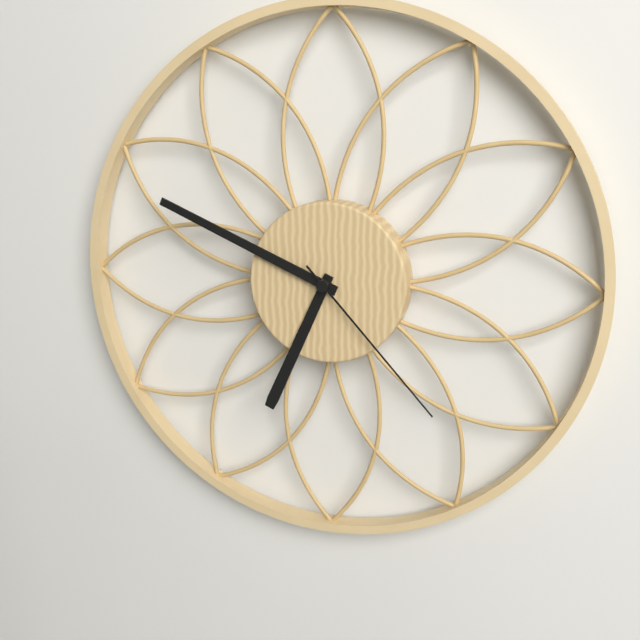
6:49:23
